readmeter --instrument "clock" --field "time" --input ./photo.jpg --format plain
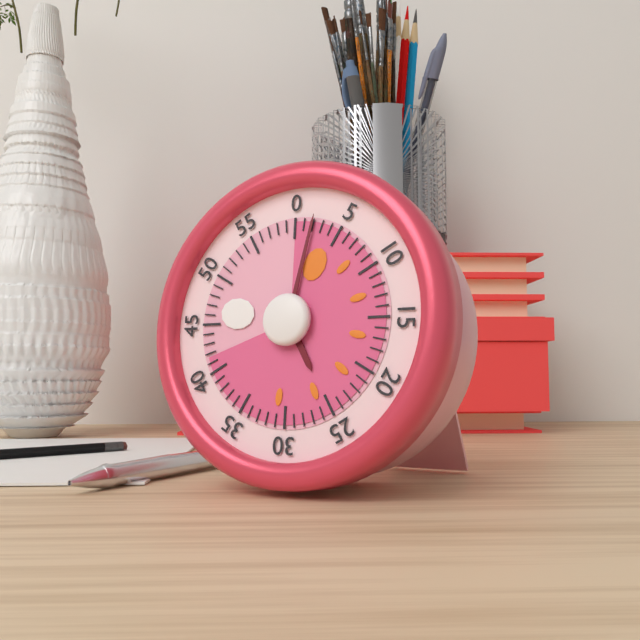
5:02
